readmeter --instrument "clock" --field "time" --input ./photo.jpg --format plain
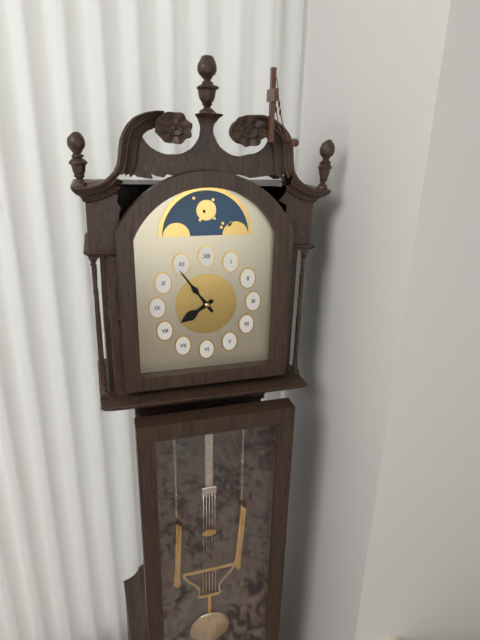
7:54
